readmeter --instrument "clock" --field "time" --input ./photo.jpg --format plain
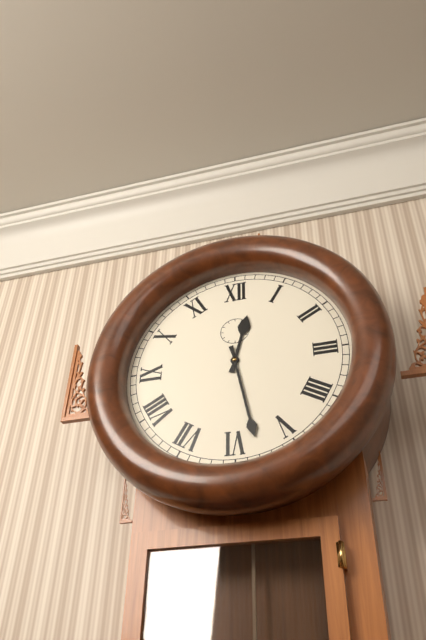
12:28
